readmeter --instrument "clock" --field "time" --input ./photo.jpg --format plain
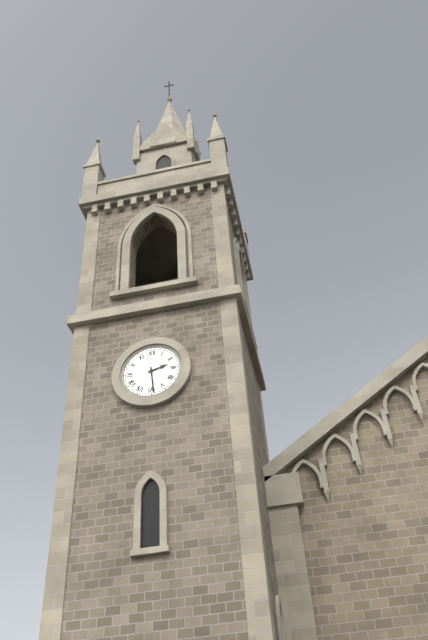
2:29
